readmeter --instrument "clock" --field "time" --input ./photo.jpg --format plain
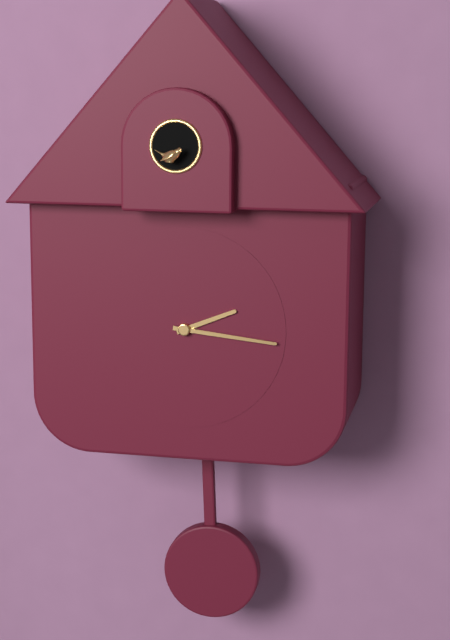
2:16
